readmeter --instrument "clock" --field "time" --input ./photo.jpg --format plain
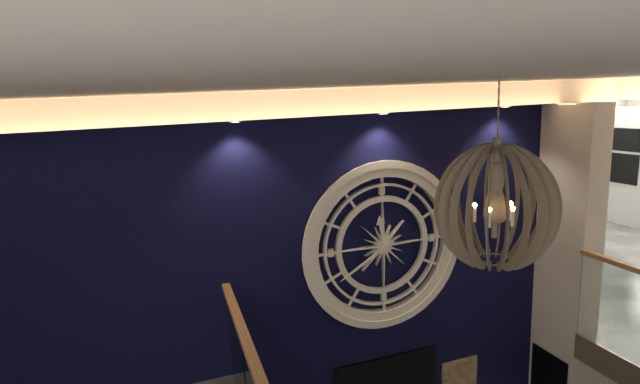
11:40
